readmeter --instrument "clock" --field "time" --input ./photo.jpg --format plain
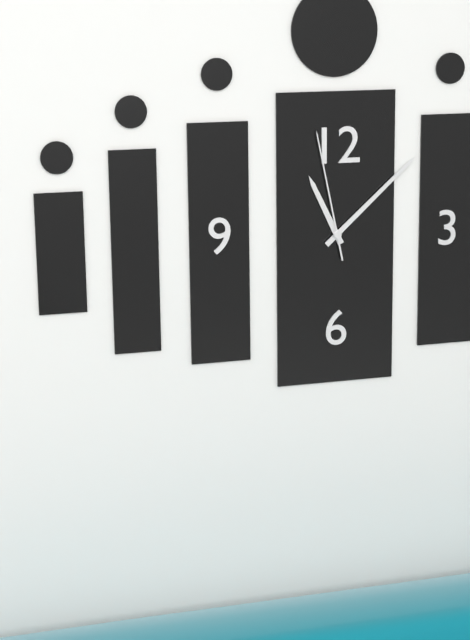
11:08:58
